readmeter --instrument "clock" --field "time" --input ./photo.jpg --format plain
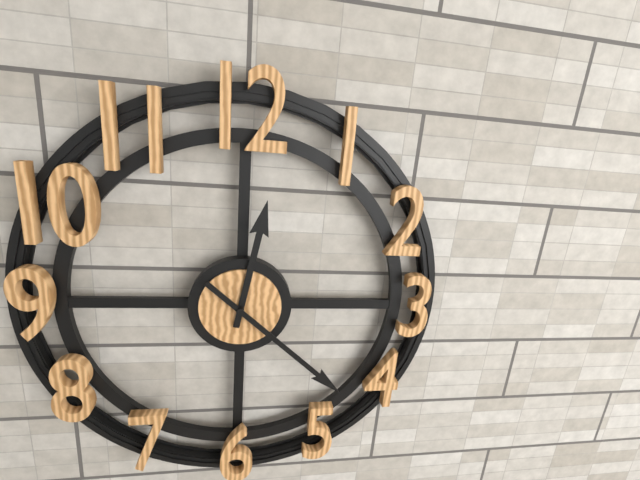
12:22
